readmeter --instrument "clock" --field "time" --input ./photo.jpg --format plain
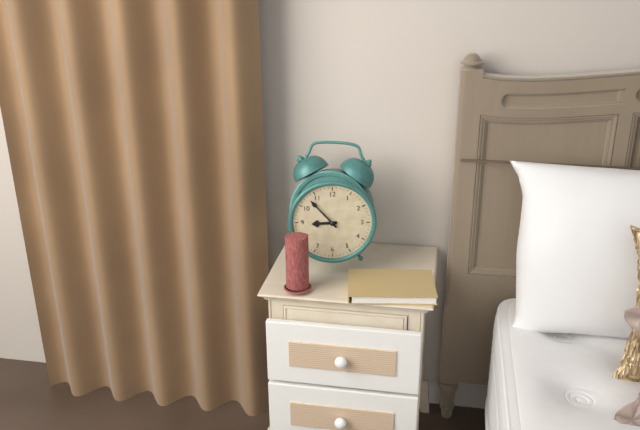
8:53
